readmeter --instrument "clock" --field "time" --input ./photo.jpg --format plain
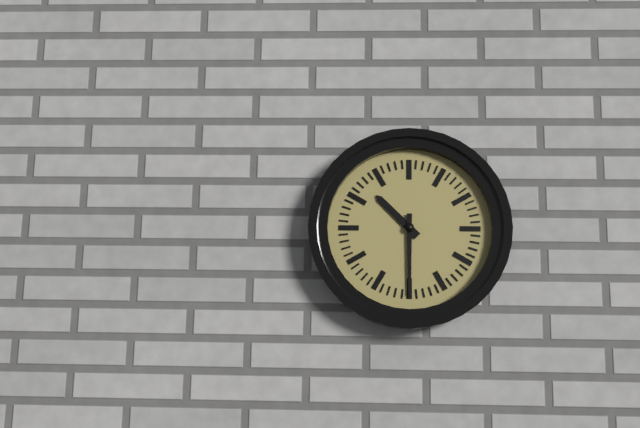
10:30
